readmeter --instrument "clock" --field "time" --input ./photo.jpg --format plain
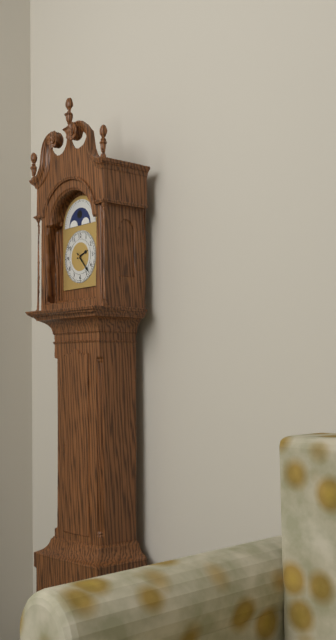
2:23
